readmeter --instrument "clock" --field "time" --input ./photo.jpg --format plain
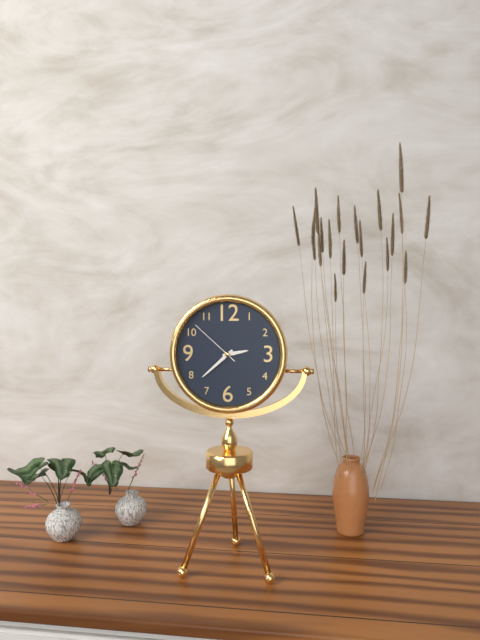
2:38:52
